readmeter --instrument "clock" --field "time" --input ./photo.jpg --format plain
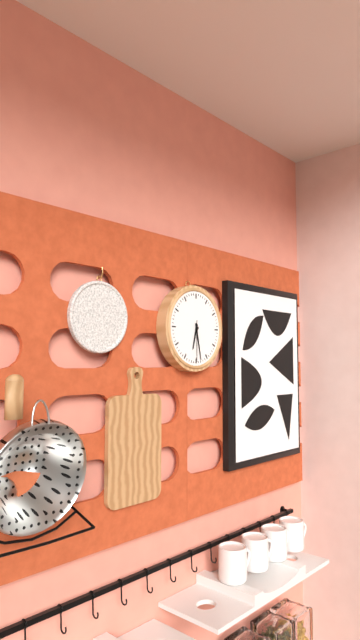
6:28
